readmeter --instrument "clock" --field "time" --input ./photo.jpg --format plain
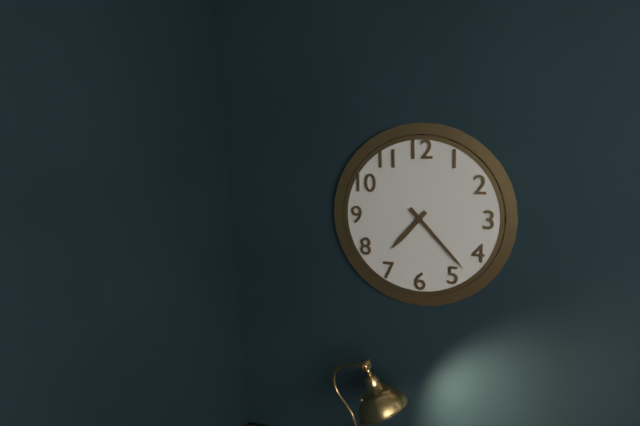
7:23
